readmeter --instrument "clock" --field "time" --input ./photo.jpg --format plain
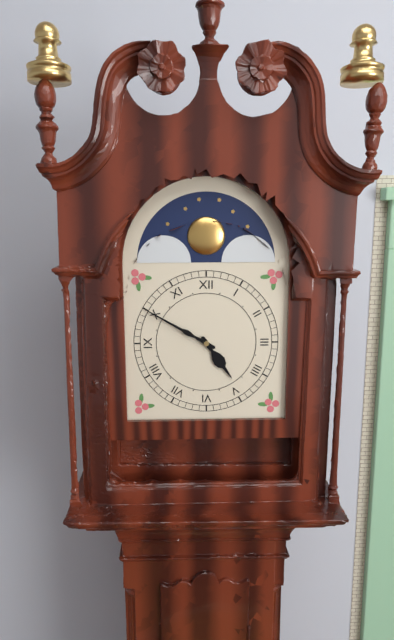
4:50
